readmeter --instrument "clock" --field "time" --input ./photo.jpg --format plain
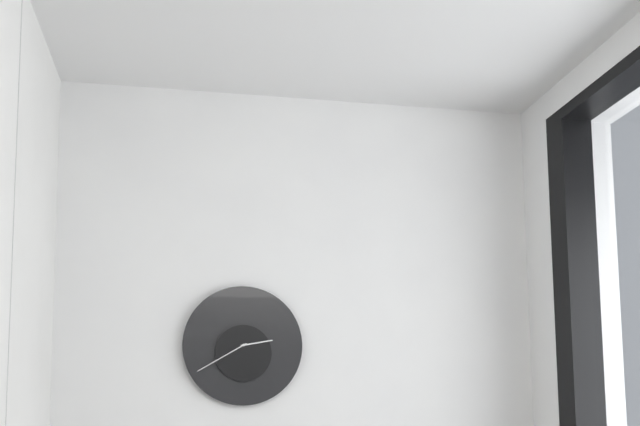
2:40
